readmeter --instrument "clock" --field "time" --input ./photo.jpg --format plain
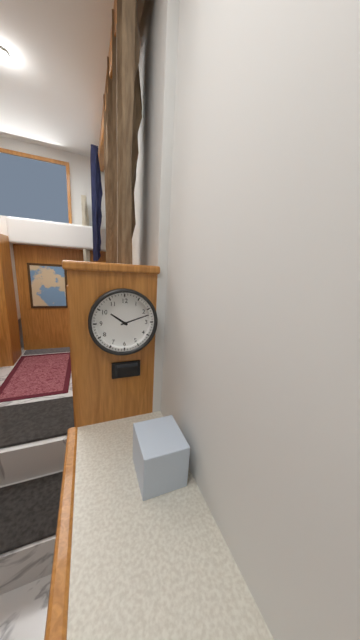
10:12
